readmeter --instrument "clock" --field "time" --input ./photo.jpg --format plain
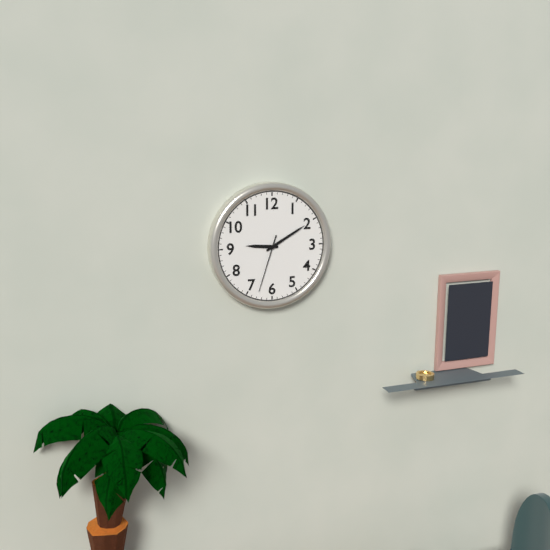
9:10:33
